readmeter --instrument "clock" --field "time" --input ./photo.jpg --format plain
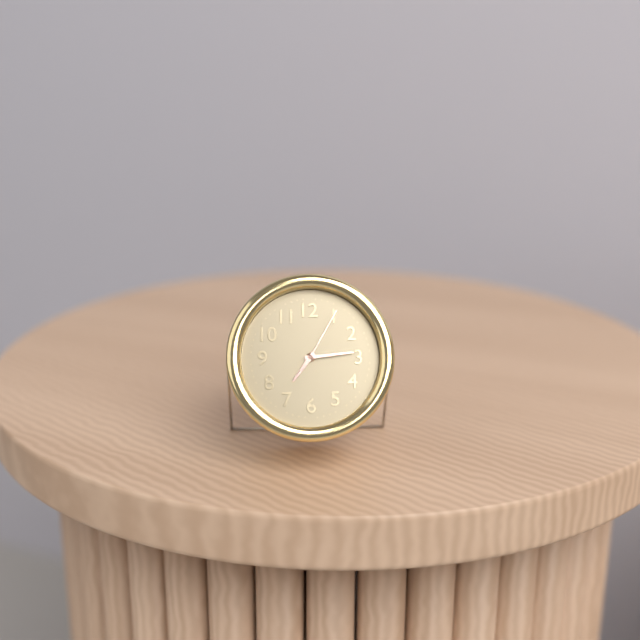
7:14:05
